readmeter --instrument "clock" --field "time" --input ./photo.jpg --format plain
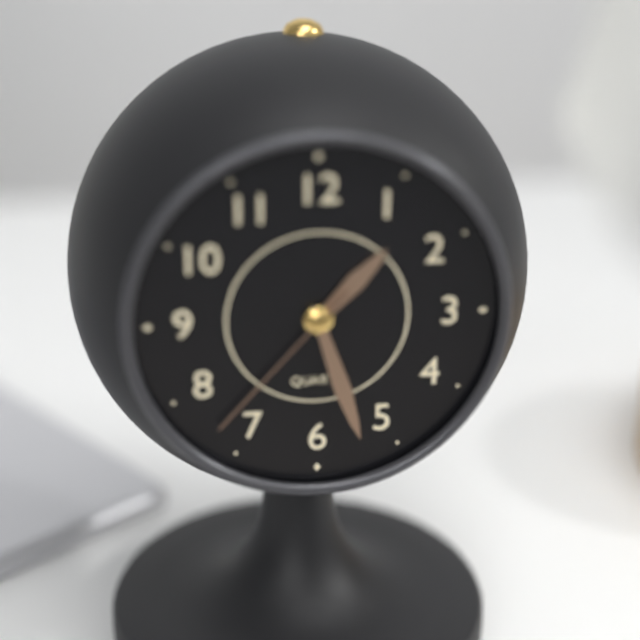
1:27:37
